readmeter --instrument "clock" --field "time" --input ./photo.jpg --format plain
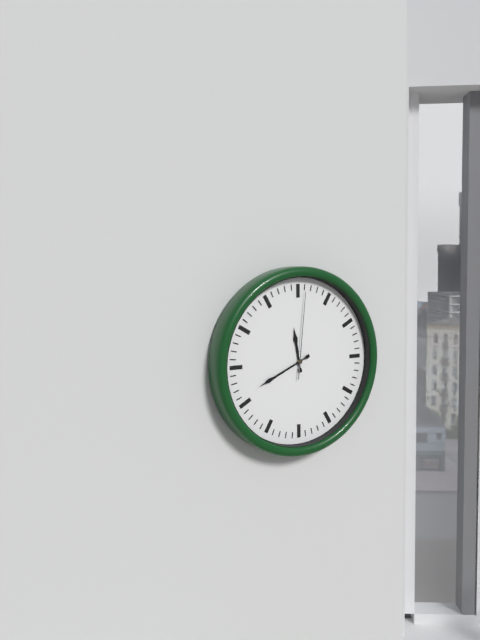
11:41:01
